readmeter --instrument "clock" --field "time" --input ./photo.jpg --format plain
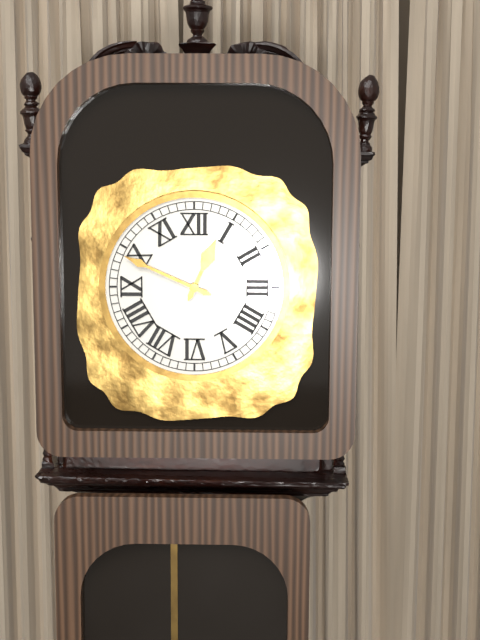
12:49
